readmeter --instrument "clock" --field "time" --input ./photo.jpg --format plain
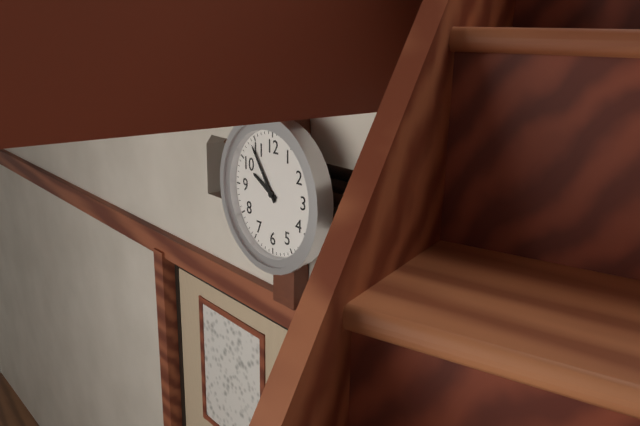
9:54
